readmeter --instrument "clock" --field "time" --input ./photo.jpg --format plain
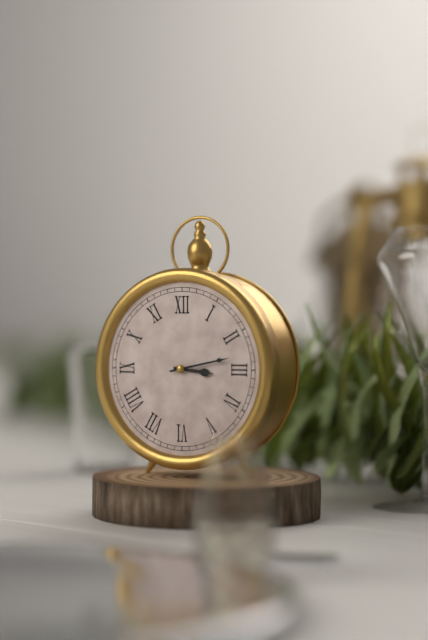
3:13
